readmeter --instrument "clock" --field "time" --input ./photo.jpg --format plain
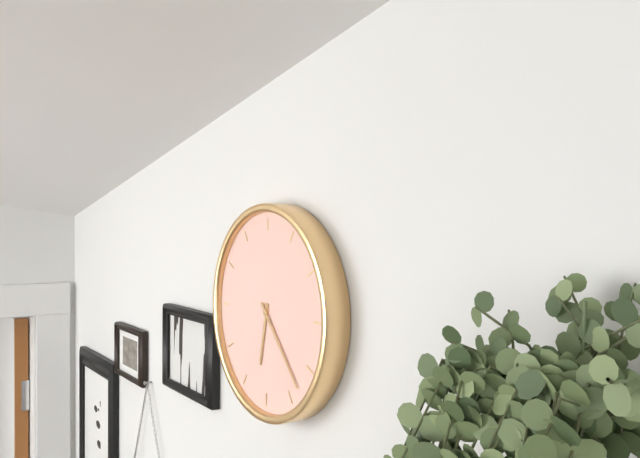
6:23
